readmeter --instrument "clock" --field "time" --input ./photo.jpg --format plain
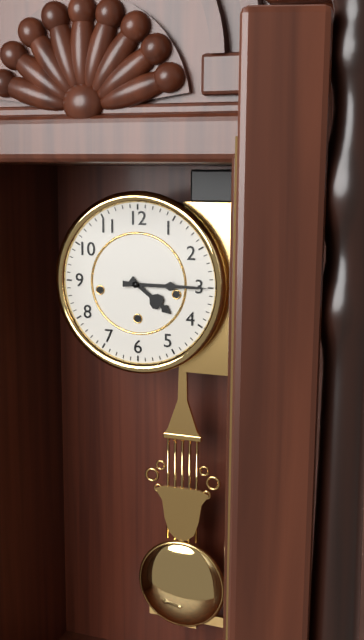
4:15
